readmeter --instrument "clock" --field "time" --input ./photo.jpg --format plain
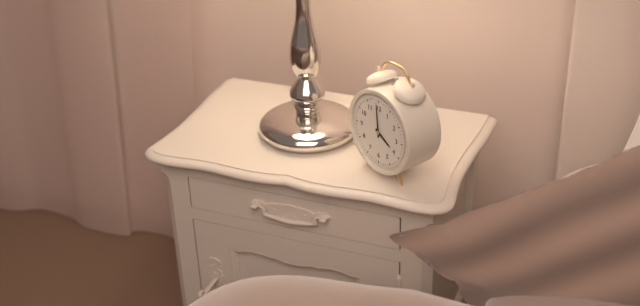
3:59
